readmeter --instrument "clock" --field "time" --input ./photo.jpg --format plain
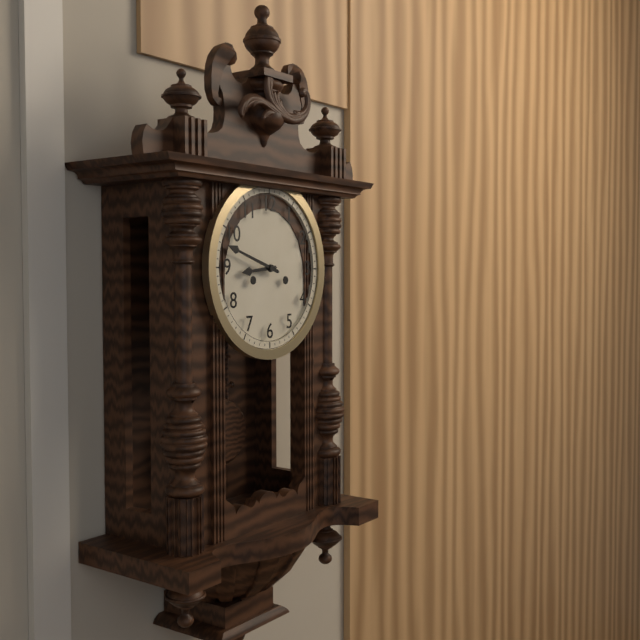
8:48
